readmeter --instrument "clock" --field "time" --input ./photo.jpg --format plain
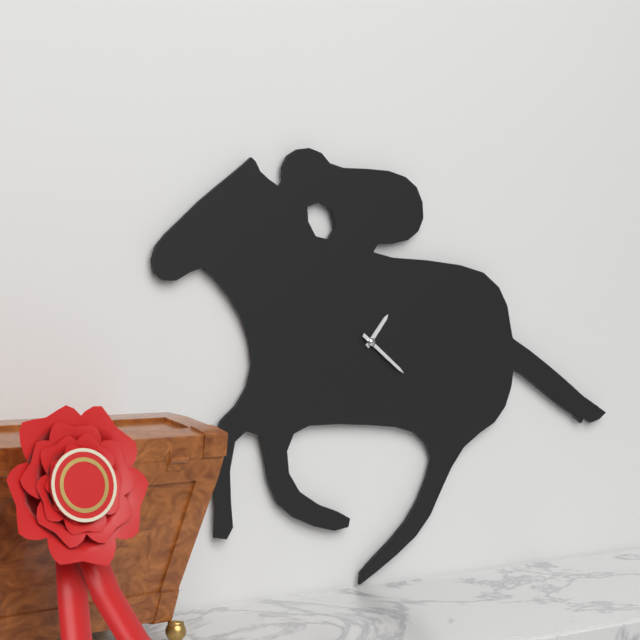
1:21
